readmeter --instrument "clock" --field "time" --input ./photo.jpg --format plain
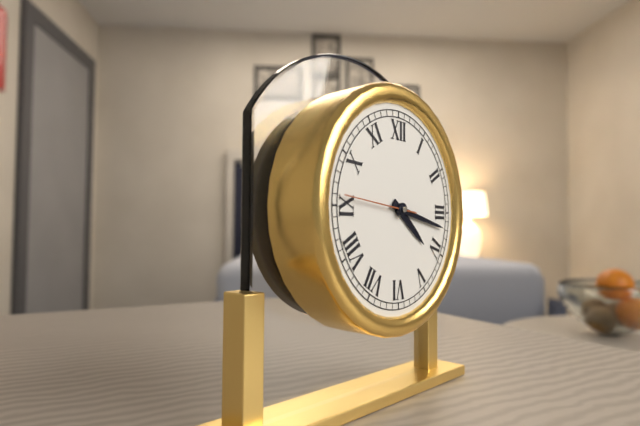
4:17:46
